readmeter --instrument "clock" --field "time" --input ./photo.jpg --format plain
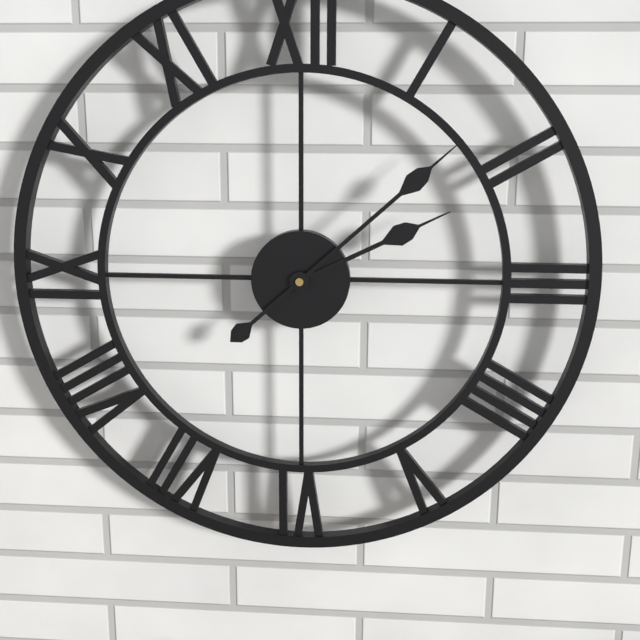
2:08
